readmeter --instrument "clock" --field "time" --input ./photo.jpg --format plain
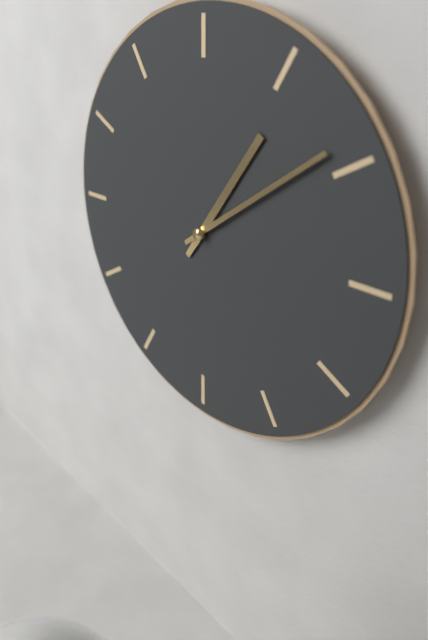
1:09
